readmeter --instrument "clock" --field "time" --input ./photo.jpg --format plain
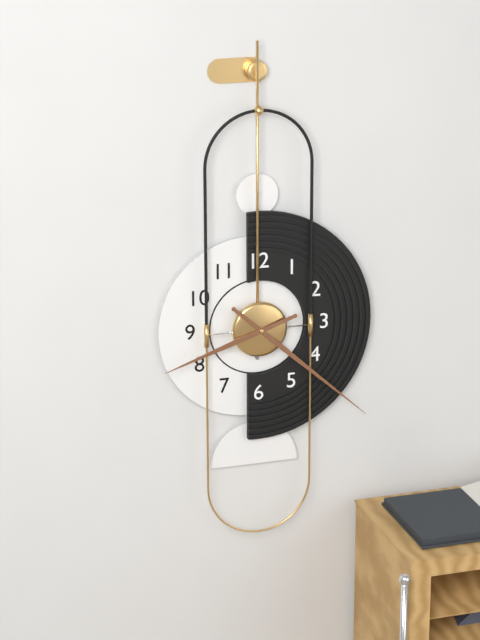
8:22
